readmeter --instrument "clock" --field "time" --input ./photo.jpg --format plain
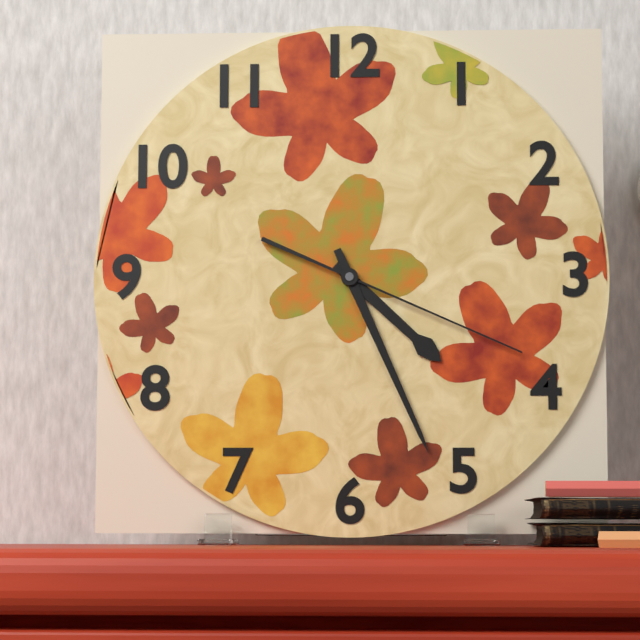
4:26:19
